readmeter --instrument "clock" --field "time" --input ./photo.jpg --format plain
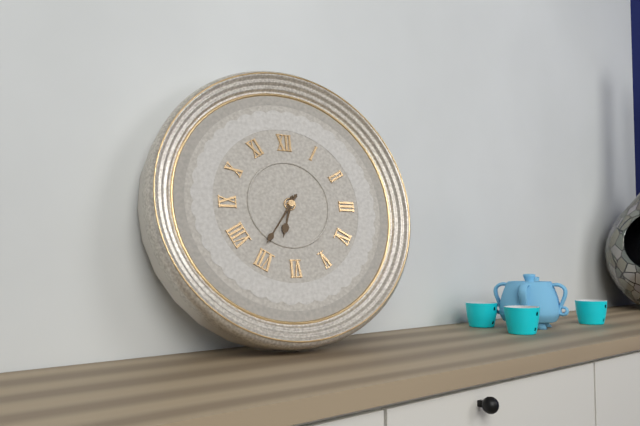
6:36
